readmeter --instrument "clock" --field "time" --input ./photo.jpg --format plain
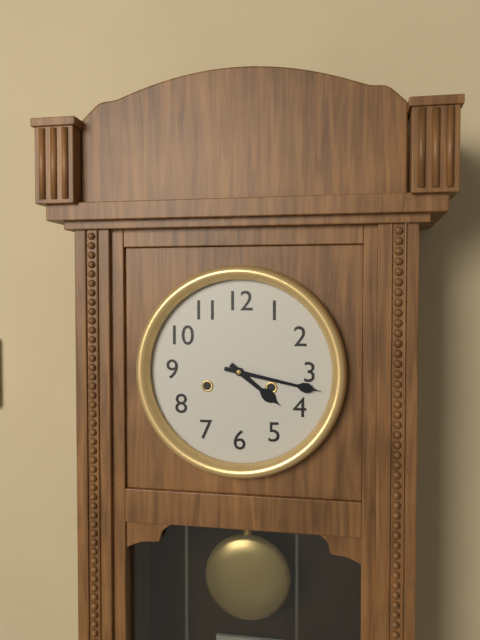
4:17
